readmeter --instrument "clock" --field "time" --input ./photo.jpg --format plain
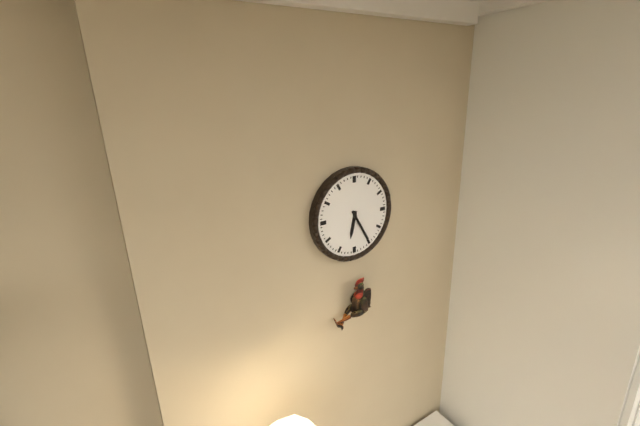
6:25
